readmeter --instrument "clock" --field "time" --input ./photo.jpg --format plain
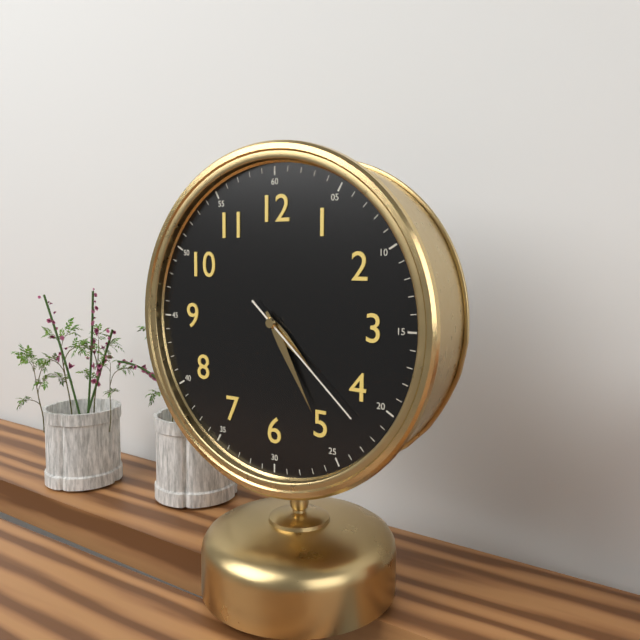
4:25:22
